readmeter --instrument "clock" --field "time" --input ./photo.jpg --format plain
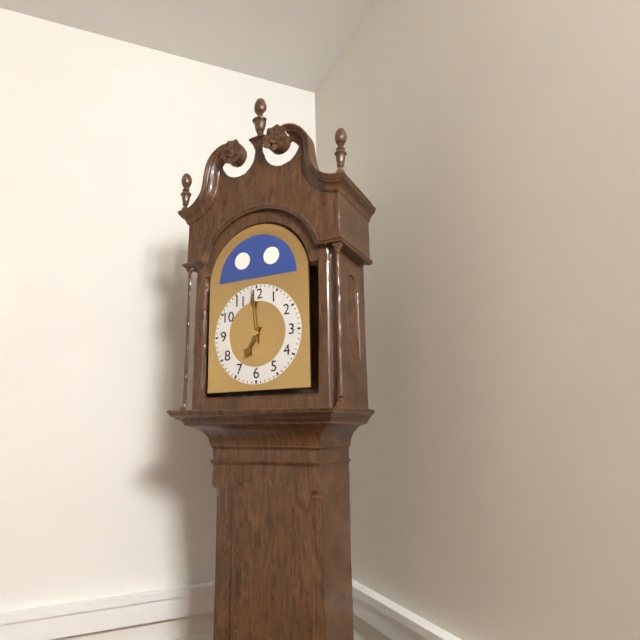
6:59
